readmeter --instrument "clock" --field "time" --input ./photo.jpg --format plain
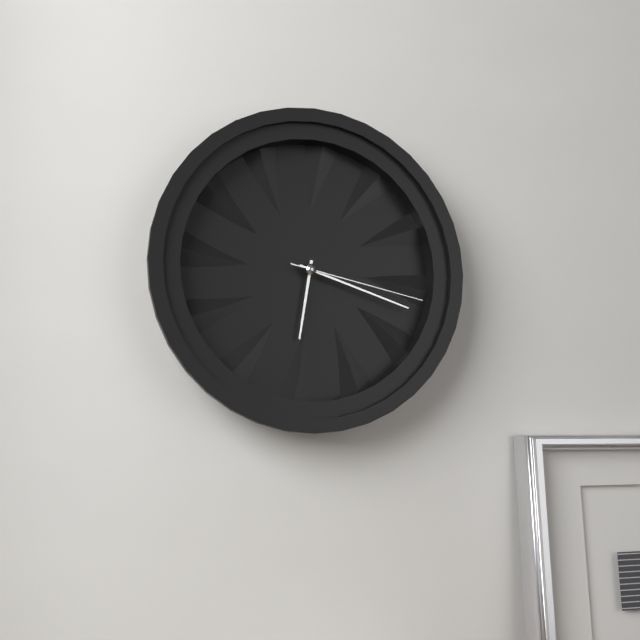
6:18:17
